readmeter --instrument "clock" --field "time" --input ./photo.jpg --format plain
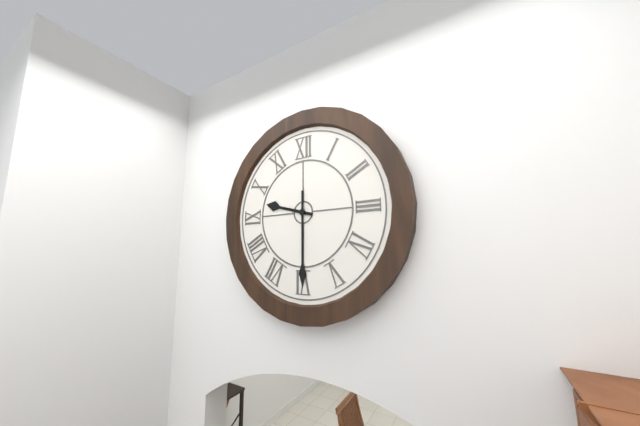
9:30
